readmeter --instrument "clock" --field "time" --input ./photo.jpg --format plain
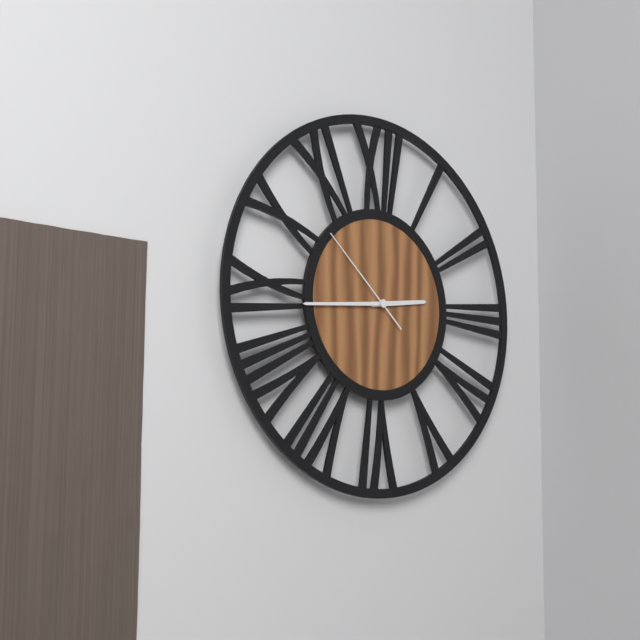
2:44:52
